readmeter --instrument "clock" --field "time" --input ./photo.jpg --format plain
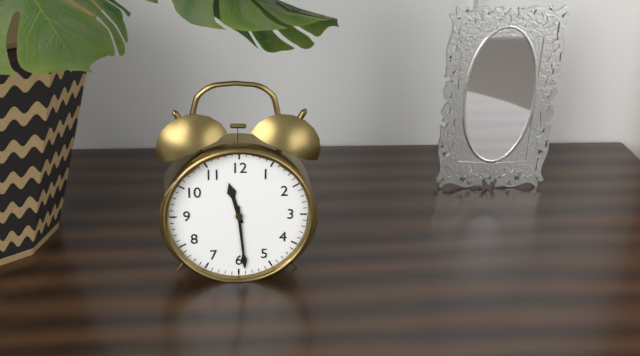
11:29
